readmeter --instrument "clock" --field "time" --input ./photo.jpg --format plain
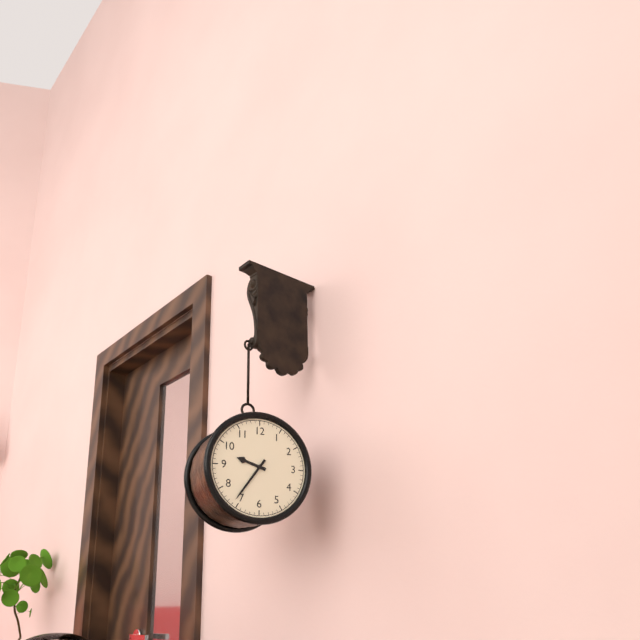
9:36
